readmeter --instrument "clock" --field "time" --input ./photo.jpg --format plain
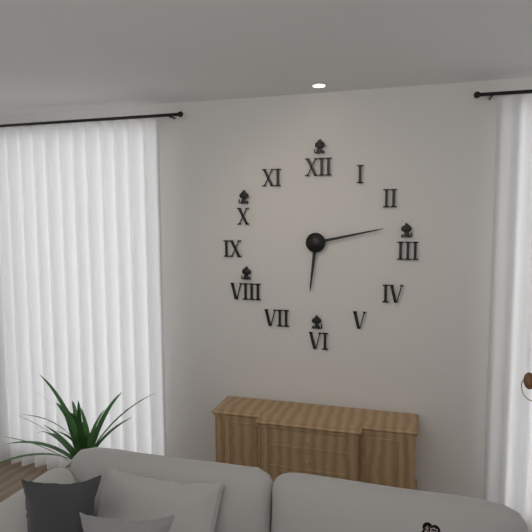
6:13
